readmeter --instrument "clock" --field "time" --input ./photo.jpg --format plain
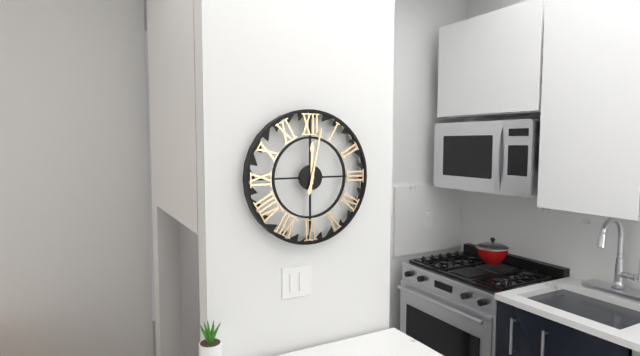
12:02
